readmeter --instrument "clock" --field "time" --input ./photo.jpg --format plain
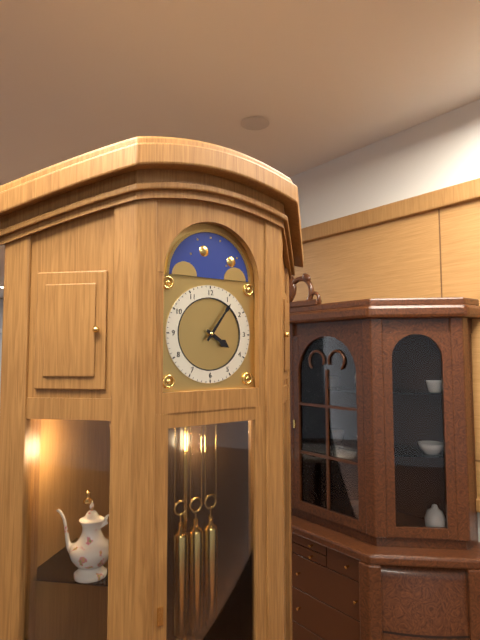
4:06
